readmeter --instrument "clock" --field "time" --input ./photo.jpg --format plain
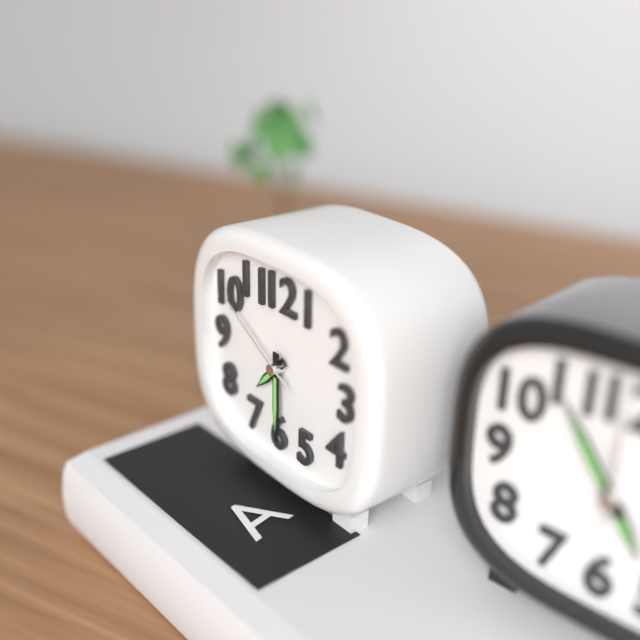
7:30:50
